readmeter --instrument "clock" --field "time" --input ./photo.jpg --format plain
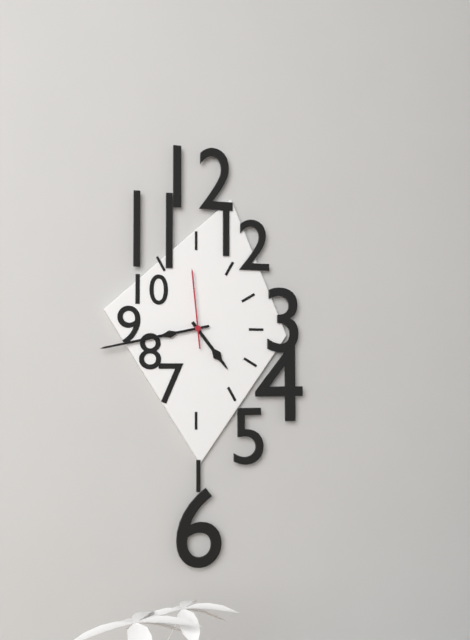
4:43:59
